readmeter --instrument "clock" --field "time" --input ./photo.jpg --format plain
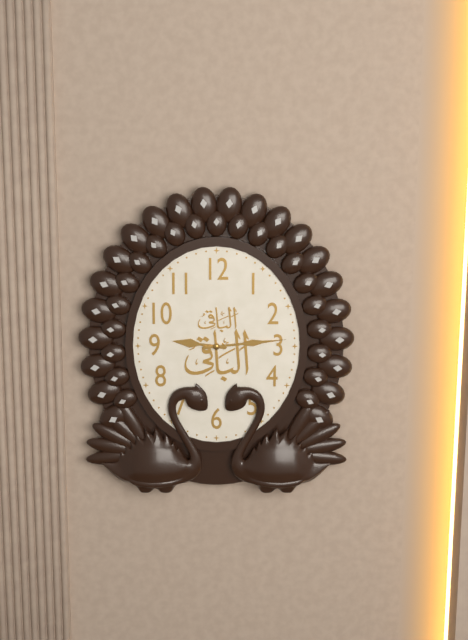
9:14
